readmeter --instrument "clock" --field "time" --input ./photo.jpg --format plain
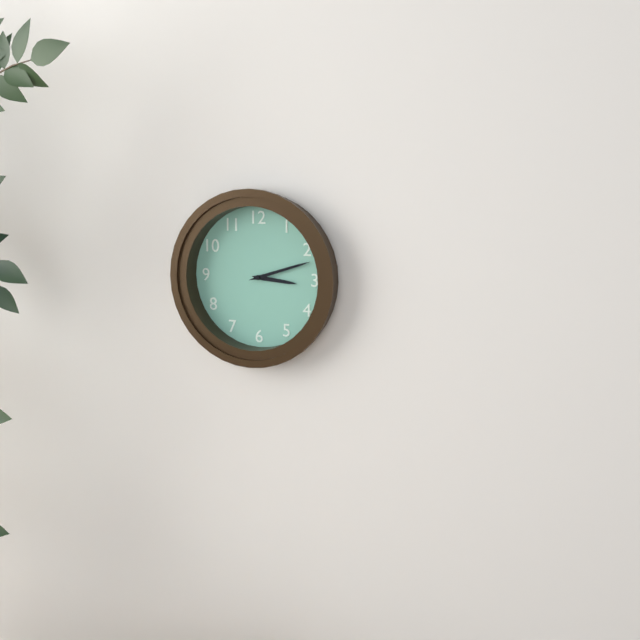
3:12
